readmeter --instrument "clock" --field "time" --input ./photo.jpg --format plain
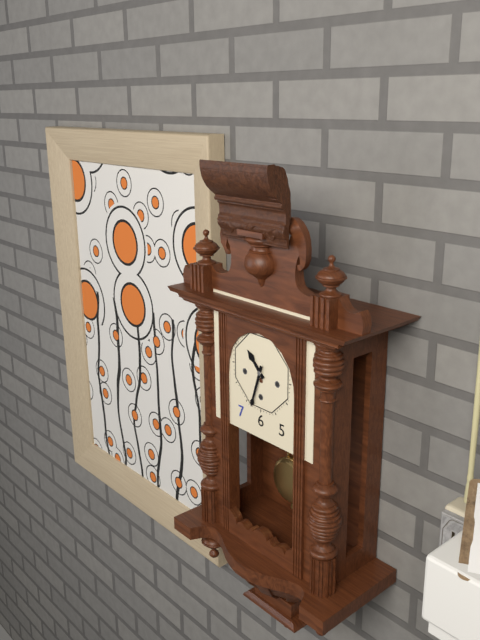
10:33
